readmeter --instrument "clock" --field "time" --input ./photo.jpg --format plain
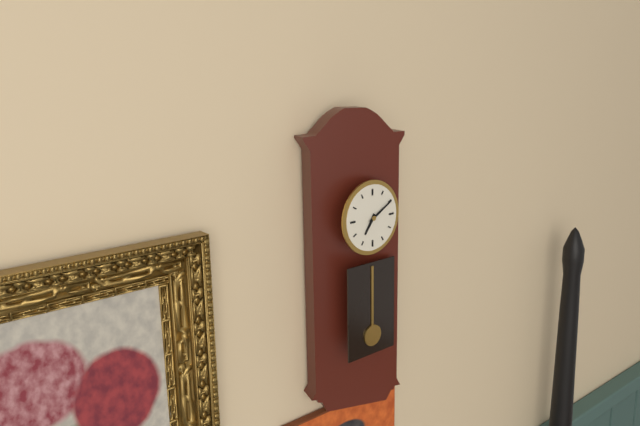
7:10
